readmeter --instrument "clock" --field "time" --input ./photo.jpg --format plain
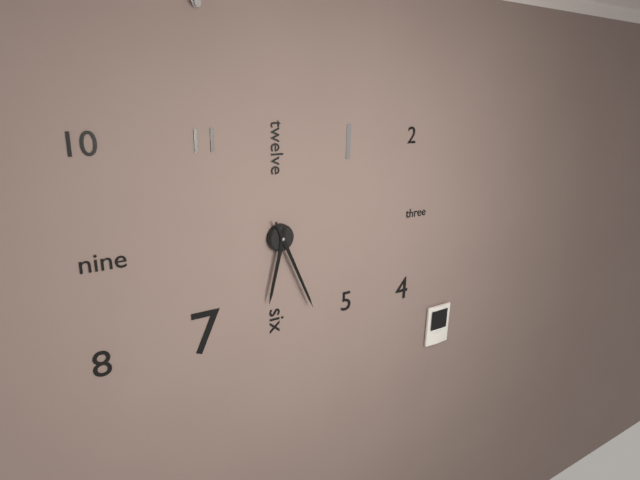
6:26
